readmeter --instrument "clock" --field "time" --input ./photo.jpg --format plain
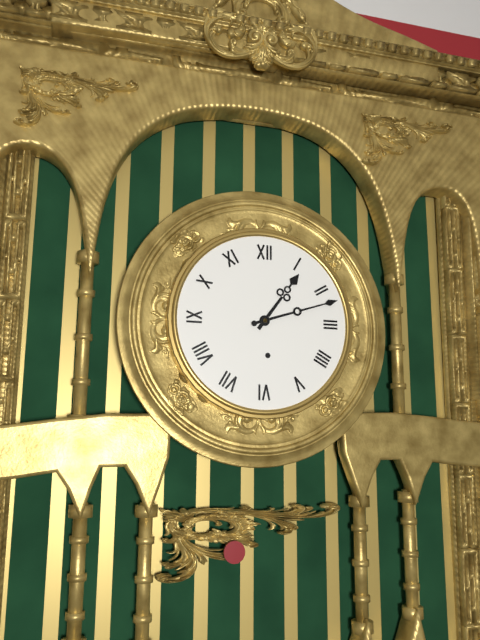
1:12
